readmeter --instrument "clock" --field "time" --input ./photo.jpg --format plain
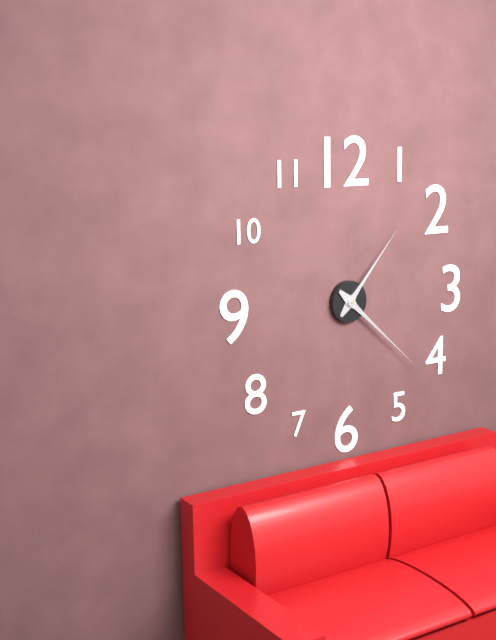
1:22
